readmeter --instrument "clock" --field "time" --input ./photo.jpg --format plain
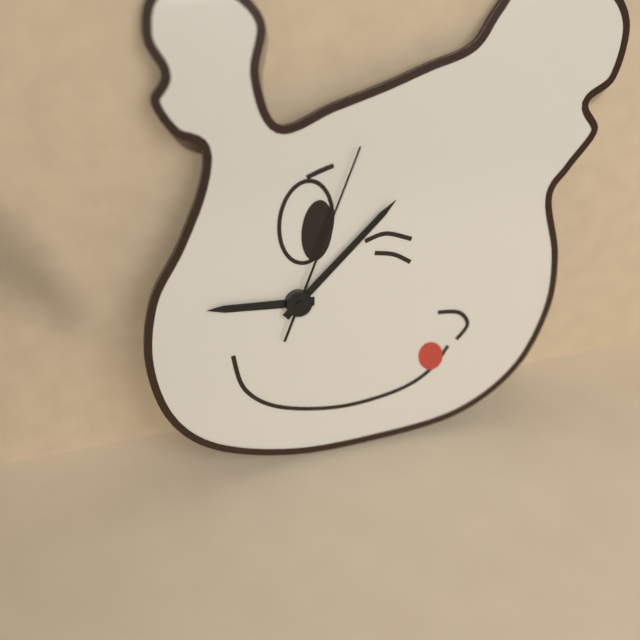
9:08:04
